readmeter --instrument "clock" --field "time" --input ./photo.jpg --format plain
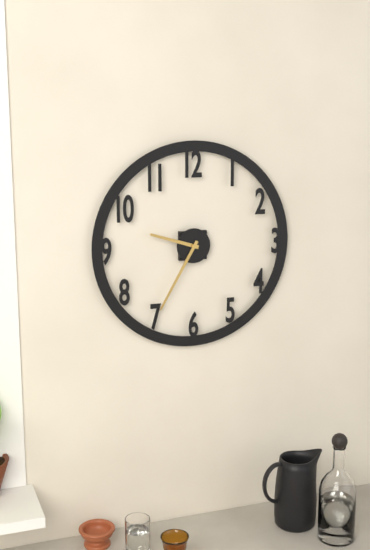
9:35
